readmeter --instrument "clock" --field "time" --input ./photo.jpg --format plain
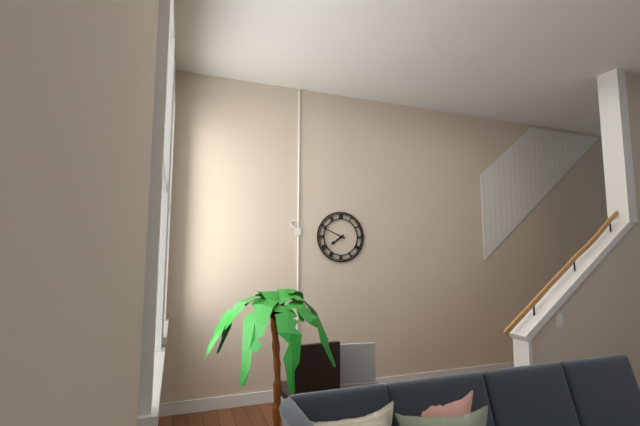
7:49
